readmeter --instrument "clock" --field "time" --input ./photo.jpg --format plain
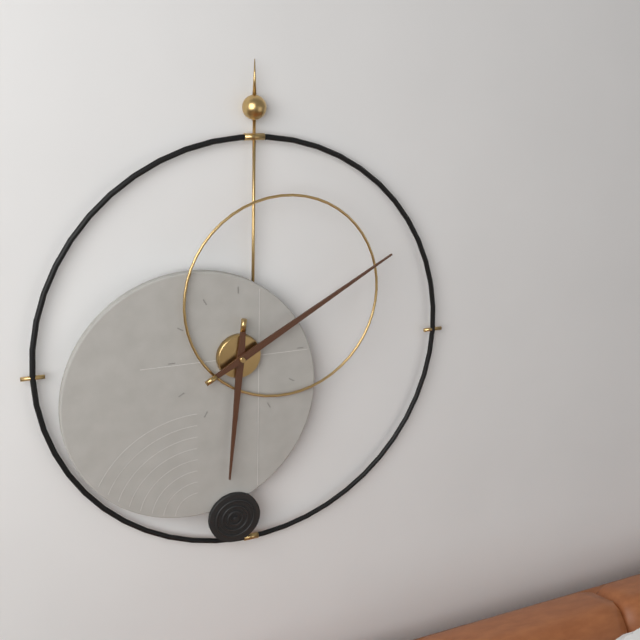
6:10
